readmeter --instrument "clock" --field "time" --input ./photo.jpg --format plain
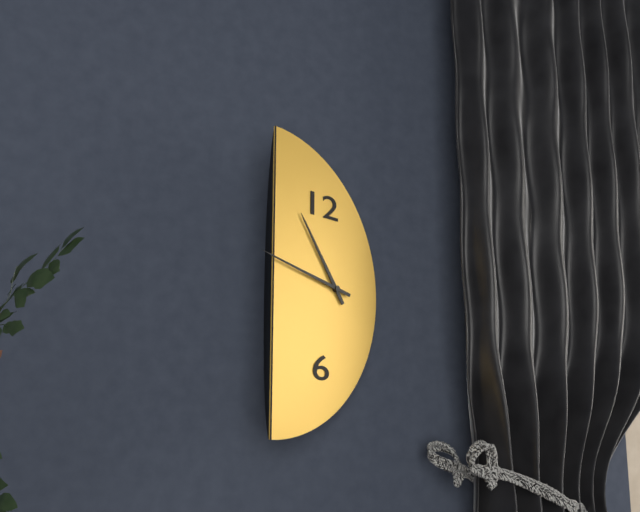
10:47
